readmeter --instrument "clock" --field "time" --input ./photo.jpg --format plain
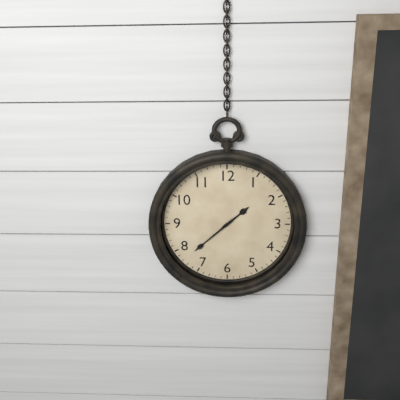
1:38
